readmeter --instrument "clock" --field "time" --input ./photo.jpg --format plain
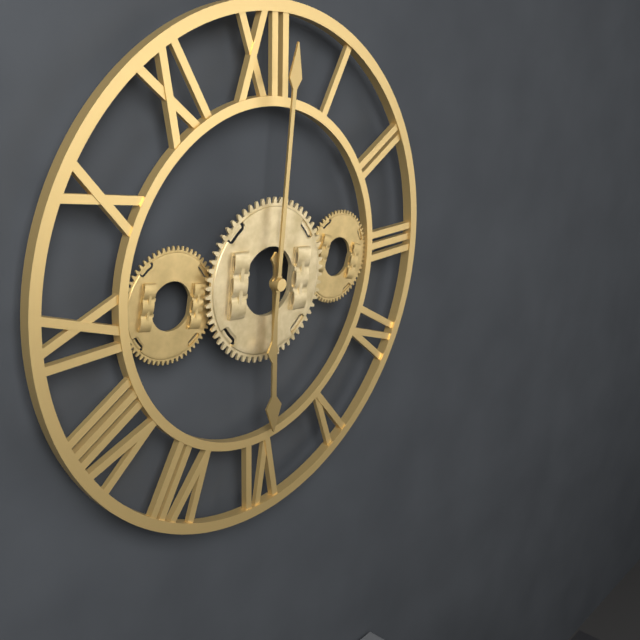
6:01
